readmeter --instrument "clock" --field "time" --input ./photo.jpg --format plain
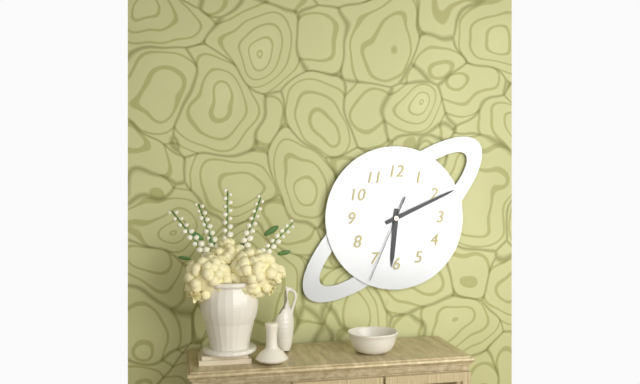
6:11:34
